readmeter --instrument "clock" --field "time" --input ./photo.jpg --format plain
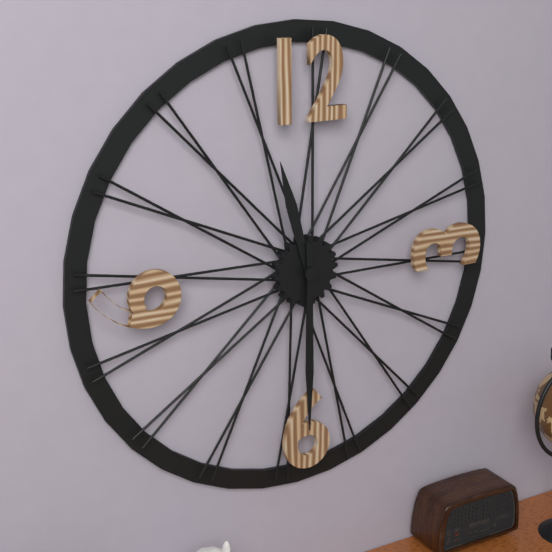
11:30
